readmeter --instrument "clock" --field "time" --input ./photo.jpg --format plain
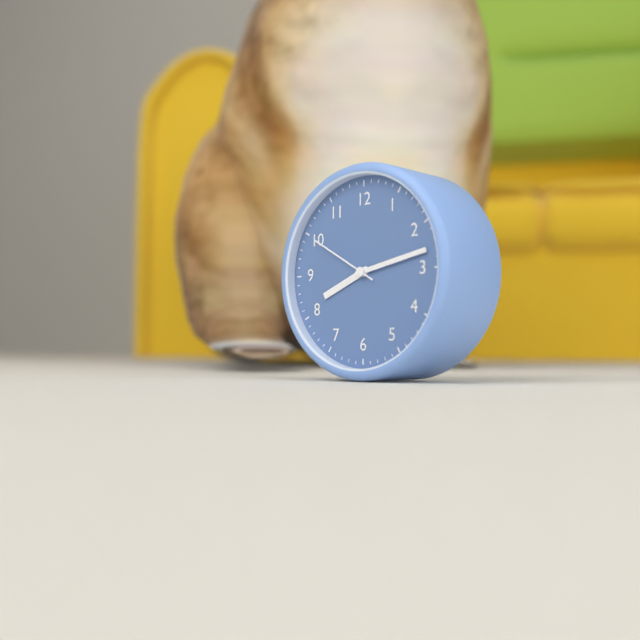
8:13:50
